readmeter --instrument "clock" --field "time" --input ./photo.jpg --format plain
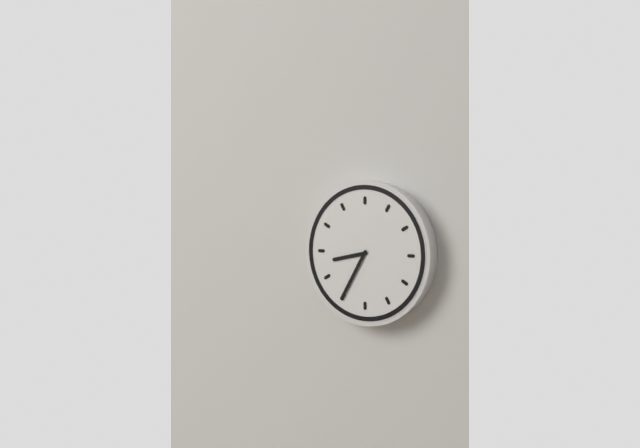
8:35
